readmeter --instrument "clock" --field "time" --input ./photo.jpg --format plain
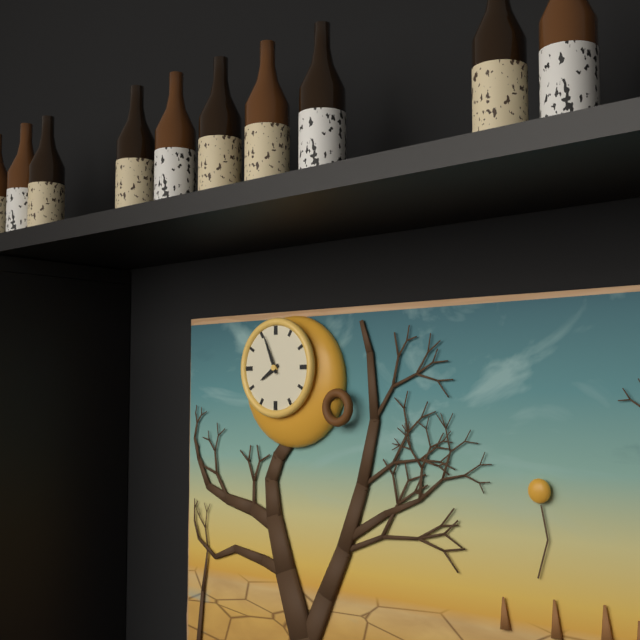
7:56
